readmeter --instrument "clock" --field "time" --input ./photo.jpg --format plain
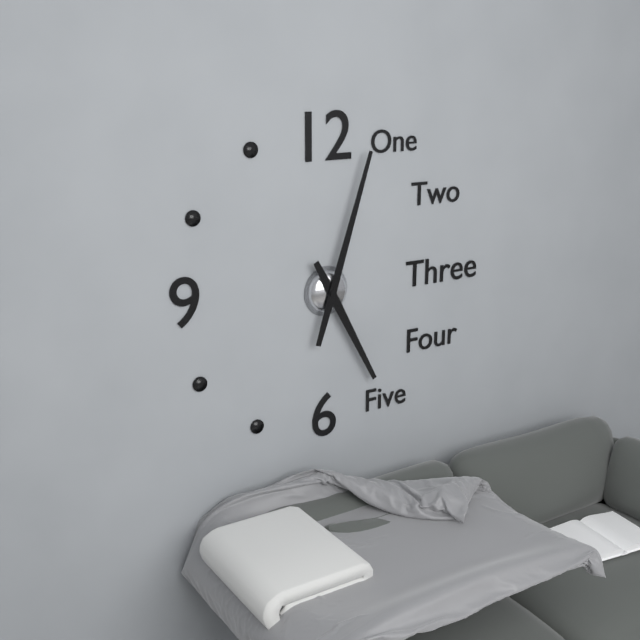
5:03
